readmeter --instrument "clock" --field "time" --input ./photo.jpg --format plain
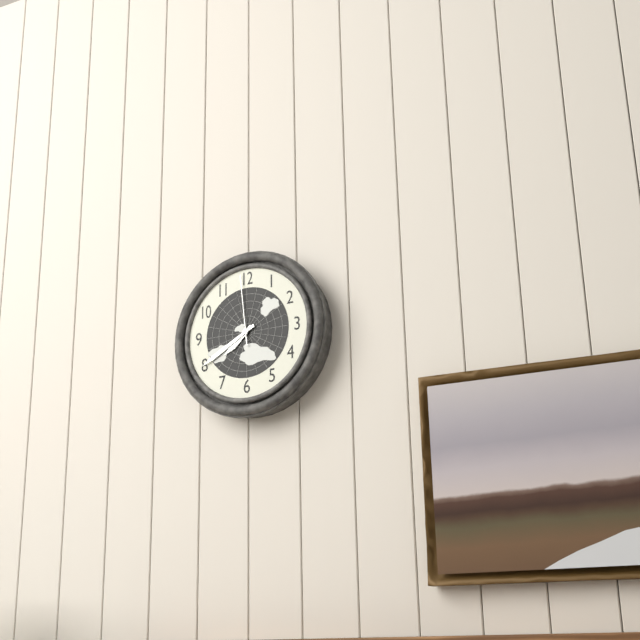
7:40:59
